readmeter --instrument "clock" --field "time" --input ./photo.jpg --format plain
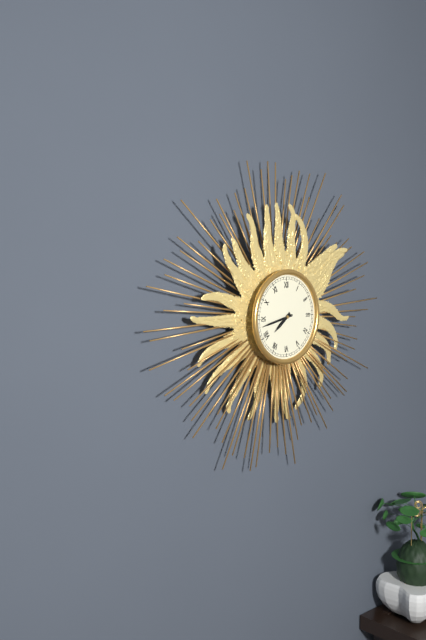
7:43
